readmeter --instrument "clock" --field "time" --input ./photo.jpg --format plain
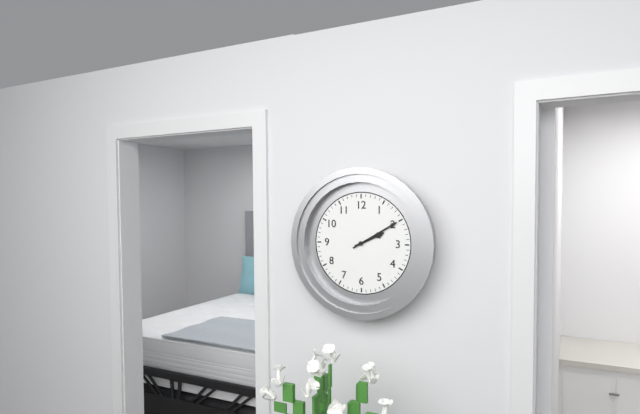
2:10
